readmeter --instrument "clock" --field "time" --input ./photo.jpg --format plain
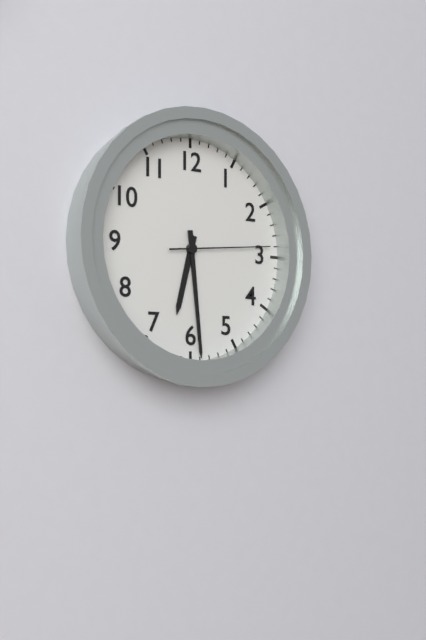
6:29:14
